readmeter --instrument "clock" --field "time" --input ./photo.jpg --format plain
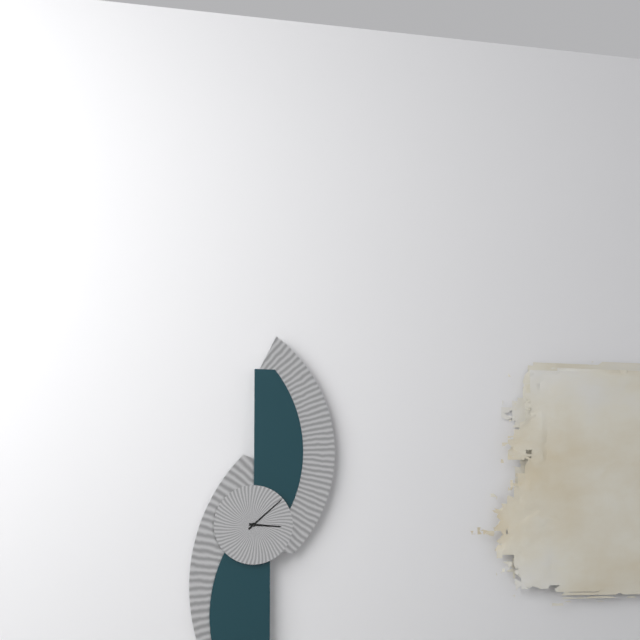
3:08
